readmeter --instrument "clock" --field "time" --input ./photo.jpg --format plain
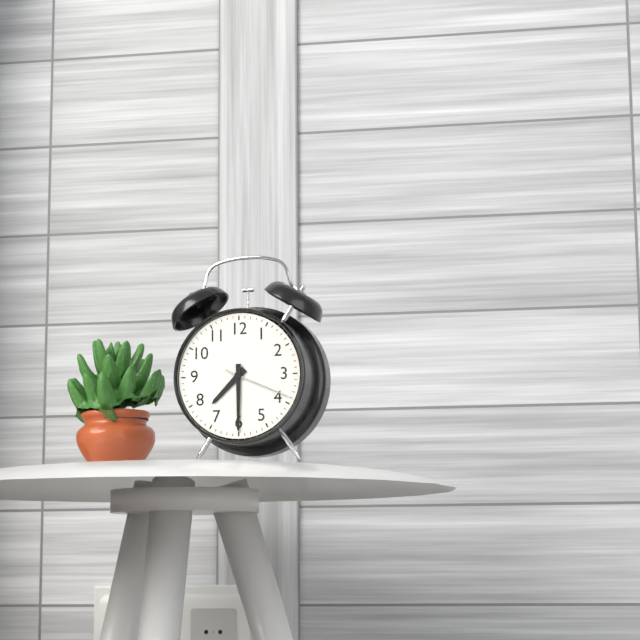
7:30:19
